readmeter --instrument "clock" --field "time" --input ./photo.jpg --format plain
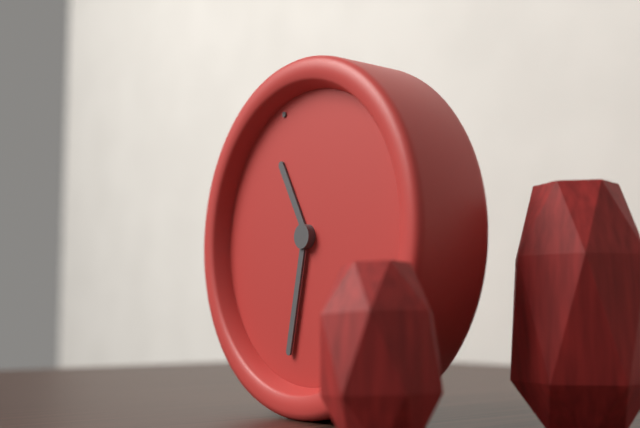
11:35
